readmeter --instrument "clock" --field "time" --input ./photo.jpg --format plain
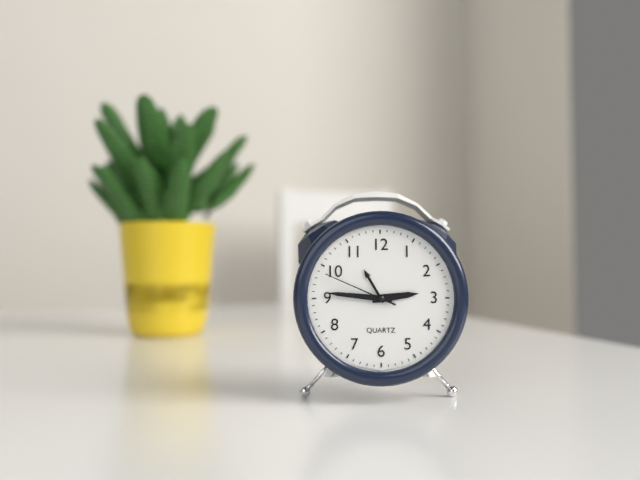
2:46:49
